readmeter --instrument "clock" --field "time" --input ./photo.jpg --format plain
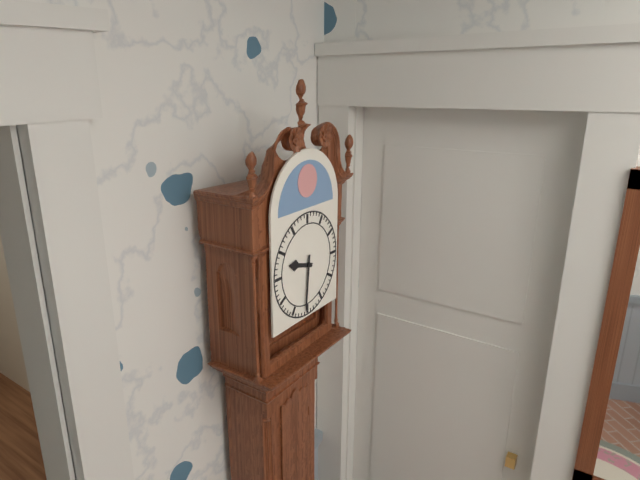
9:31
